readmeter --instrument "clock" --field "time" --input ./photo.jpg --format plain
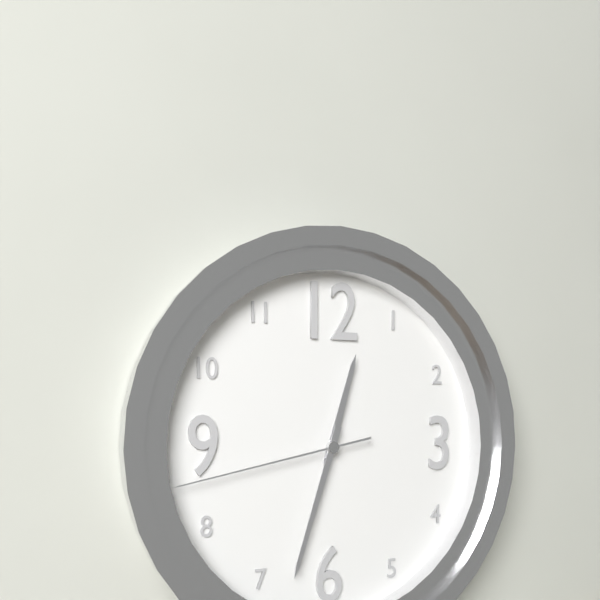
12:33:43
